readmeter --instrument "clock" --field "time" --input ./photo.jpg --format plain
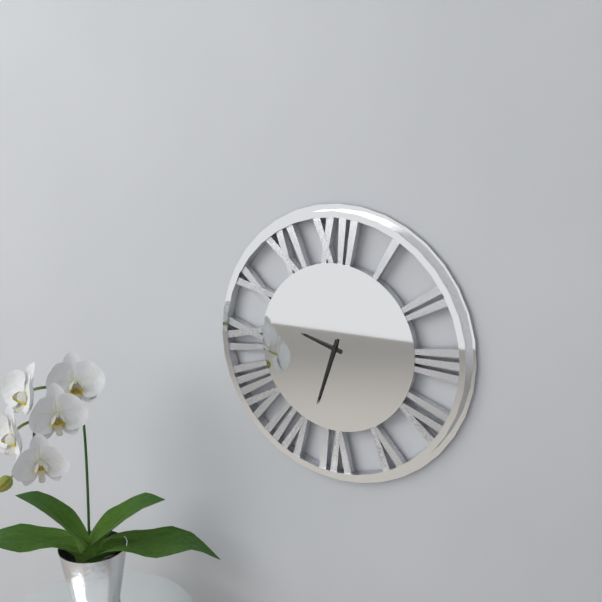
9:33
